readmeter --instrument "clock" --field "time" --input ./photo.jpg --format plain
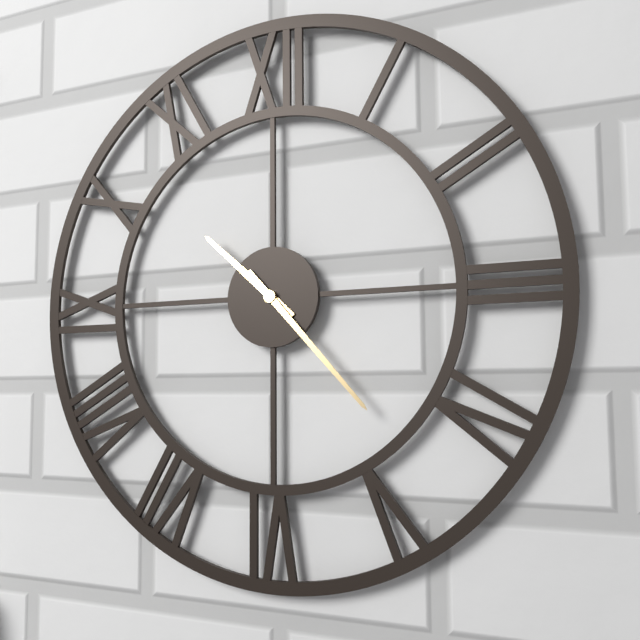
10:23
